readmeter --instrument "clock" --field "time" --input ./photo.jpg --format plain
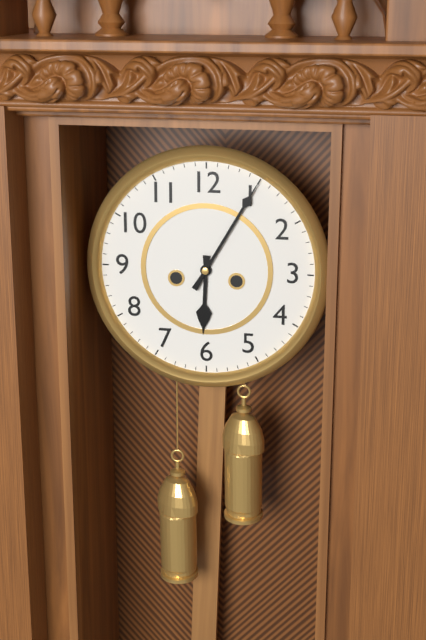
6:05
